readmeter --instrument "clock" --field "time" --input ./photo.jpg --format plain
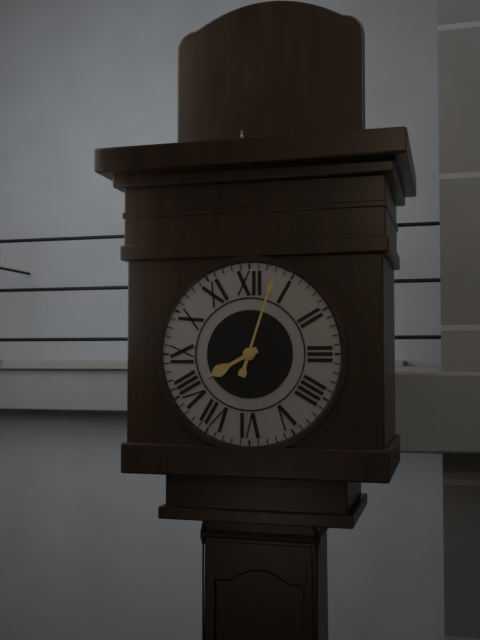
8:03
